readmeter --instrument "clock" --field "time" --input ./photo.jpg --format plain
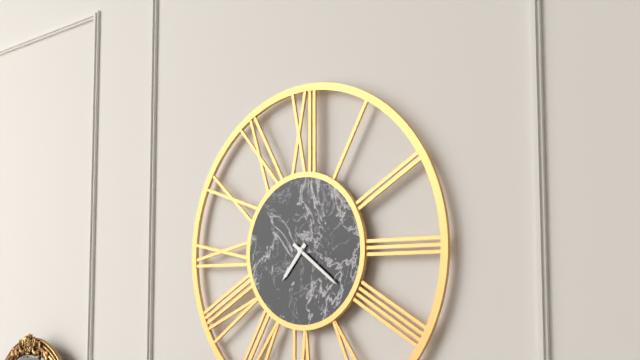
7:21
